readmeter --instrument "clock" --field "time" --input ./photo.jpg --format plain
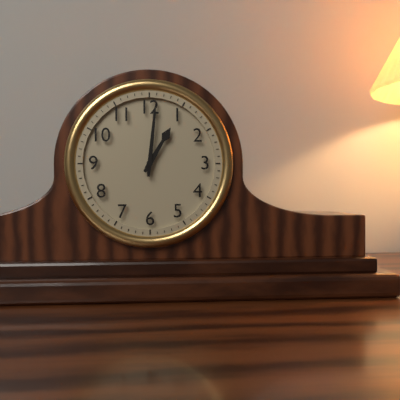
1:01
